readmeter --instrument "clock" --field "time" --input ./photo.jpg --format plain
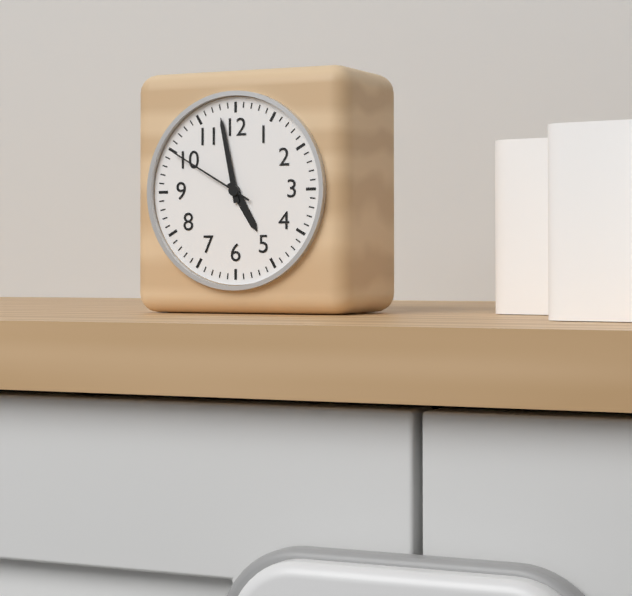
4:58:50
